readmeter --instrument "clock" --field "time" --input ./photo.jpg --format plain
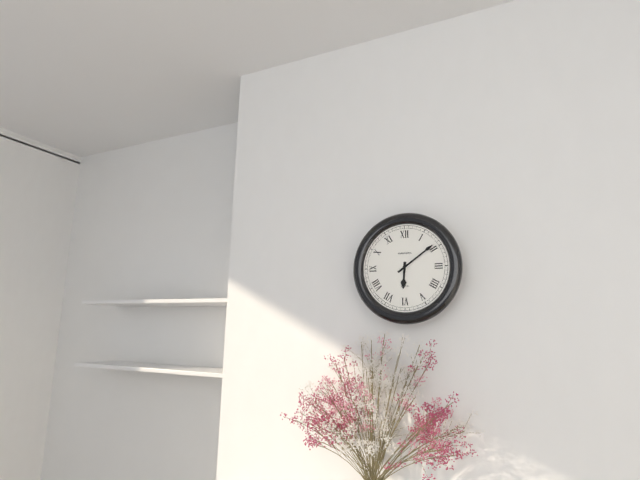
6:09
